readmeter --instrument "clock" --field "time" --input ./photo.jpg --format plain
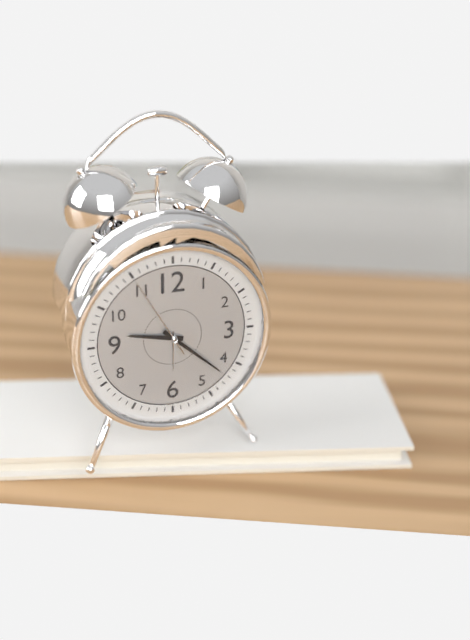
9:22:55
